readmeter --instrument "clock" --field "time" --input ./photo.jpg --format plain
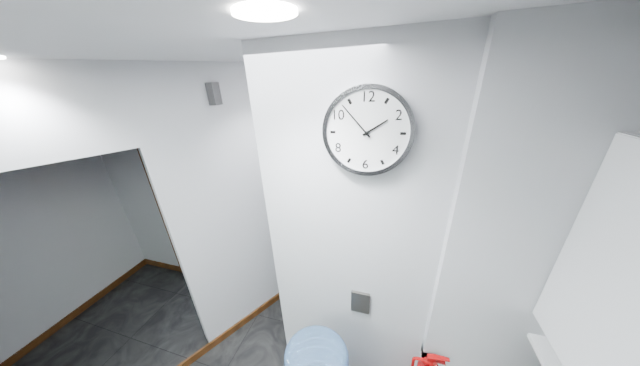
1:53
